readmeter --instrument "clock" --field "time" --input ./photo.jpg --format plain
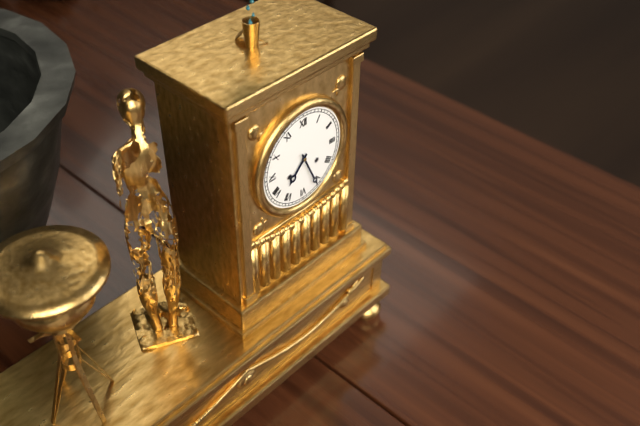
7:26
